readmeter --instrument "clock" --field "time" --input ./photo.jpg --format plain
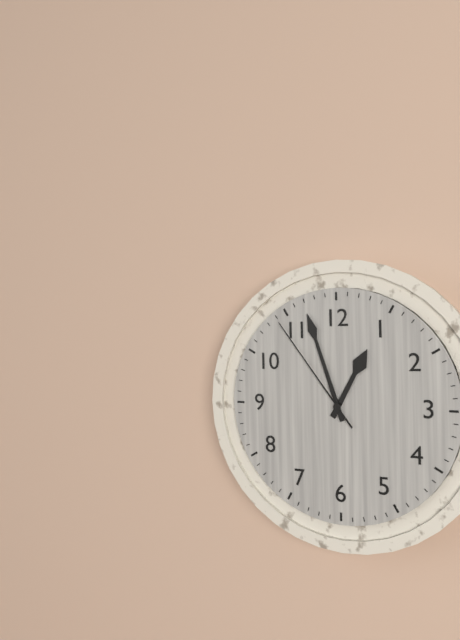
12:57:54
